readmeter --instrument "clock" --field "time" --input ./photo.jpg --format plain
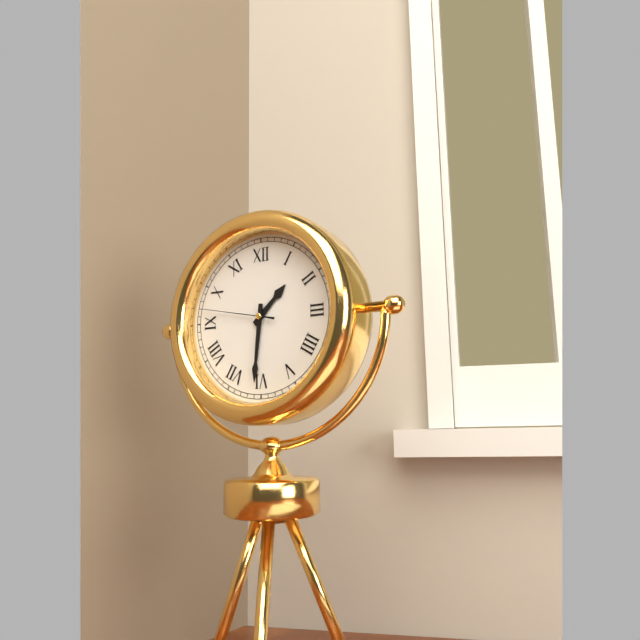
1:31:47
